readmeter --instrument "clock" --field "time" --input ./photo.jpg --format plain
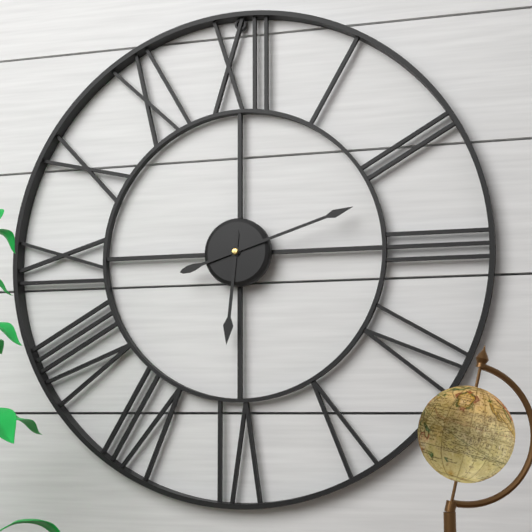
6:12
